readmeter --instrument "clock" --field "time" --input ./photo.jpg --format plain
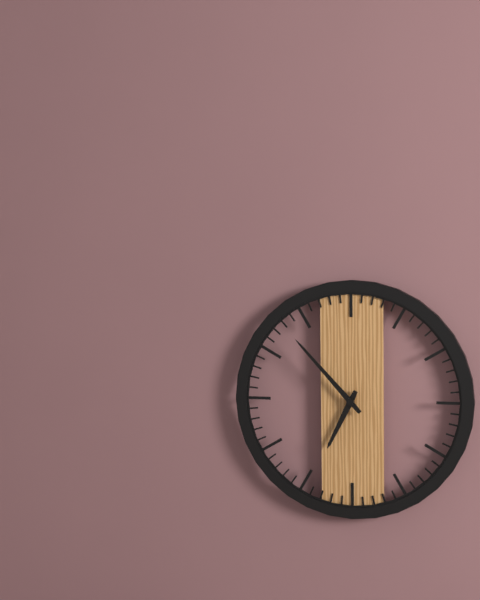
6:53
